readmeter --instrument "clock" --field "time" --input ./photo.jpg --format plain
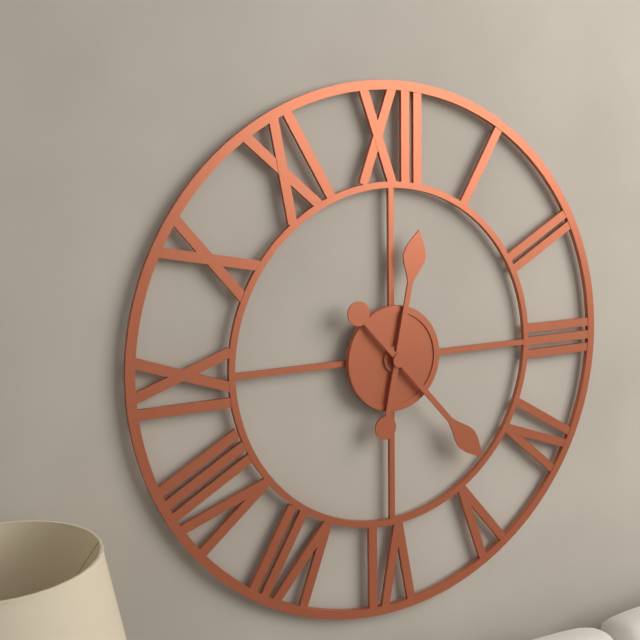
12:23
